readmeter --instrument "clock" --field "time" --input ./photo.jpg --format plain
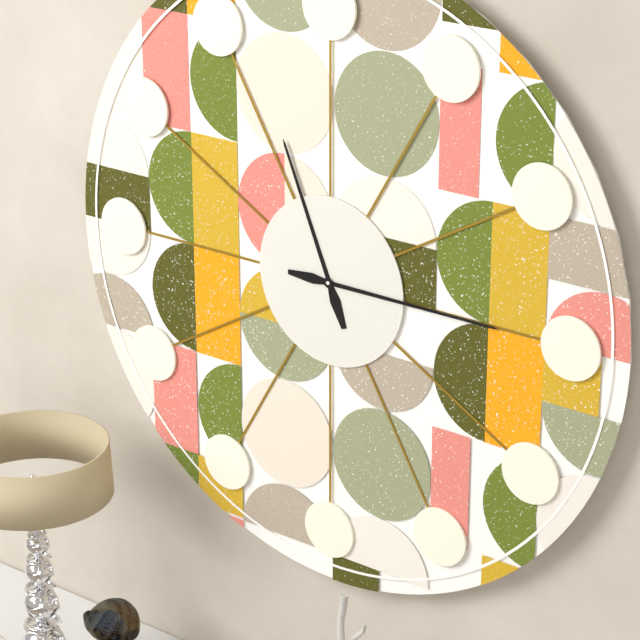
11:15
